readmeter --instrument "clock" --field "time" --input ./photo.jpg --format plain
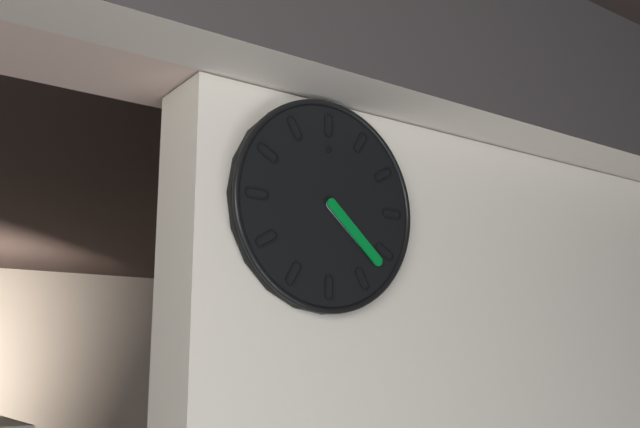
4:22
